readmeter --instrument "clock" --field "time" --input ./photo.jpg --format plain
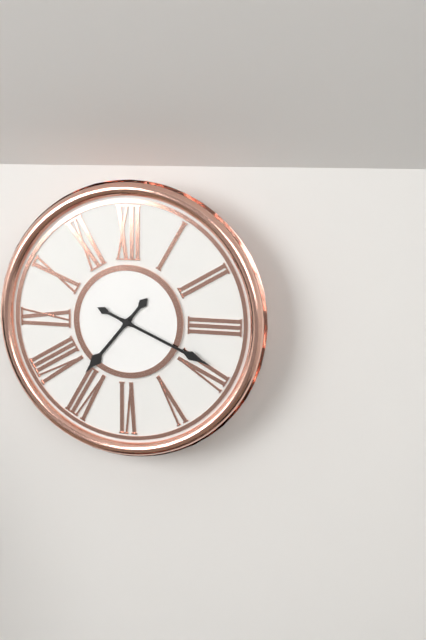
7:19
